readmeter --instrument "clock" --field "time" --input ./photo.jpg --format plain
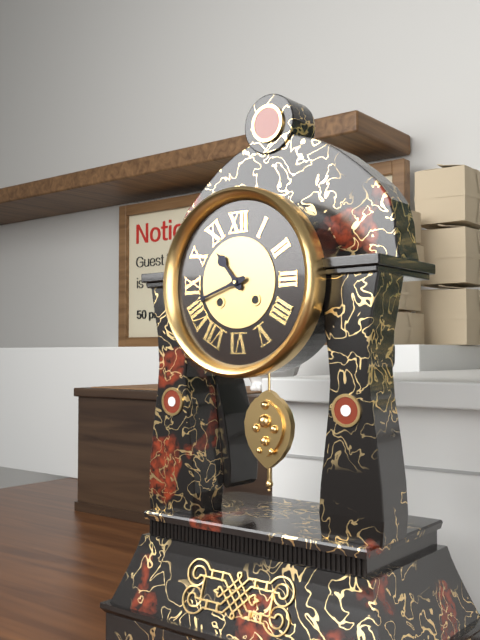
10:42
